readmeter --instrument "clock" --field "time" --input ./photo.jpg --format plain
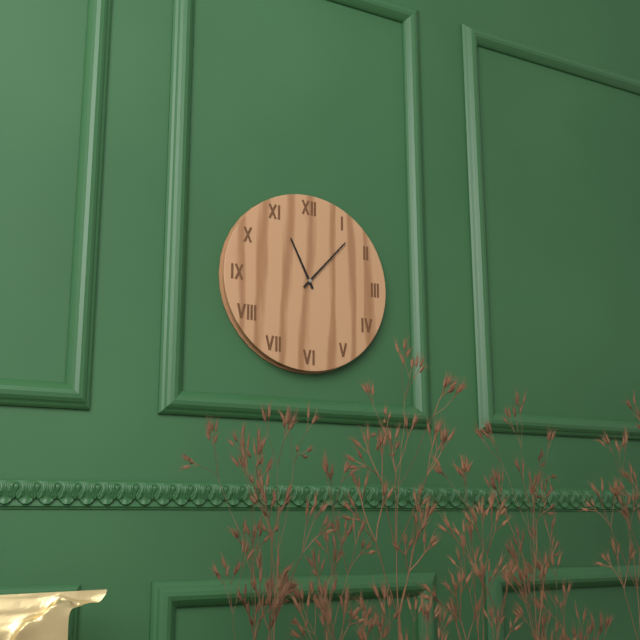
11:07
